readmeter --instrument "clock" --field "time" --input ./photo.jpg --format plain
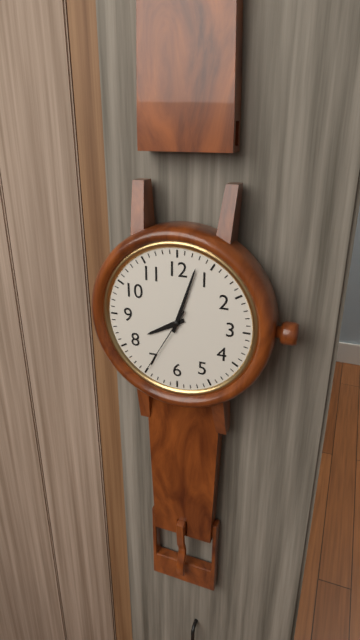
8:03:35
